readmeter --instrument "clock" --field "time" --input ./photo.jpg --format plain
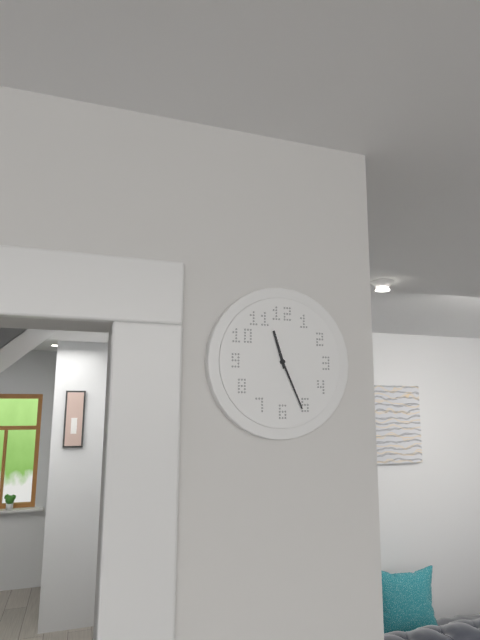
11:26
